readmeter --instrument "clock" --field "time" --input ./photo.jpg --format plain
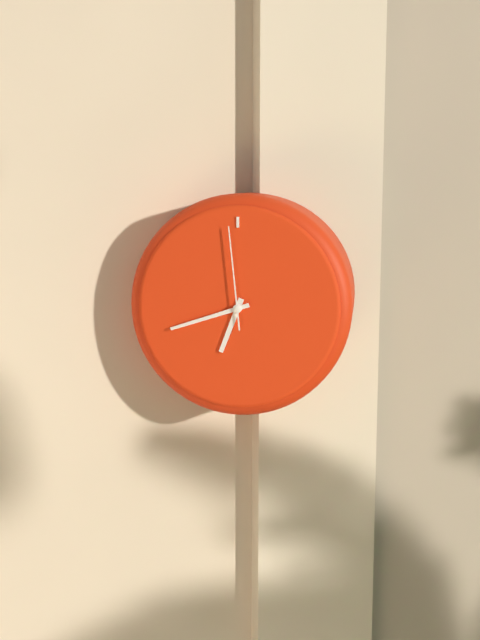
6:42:59
